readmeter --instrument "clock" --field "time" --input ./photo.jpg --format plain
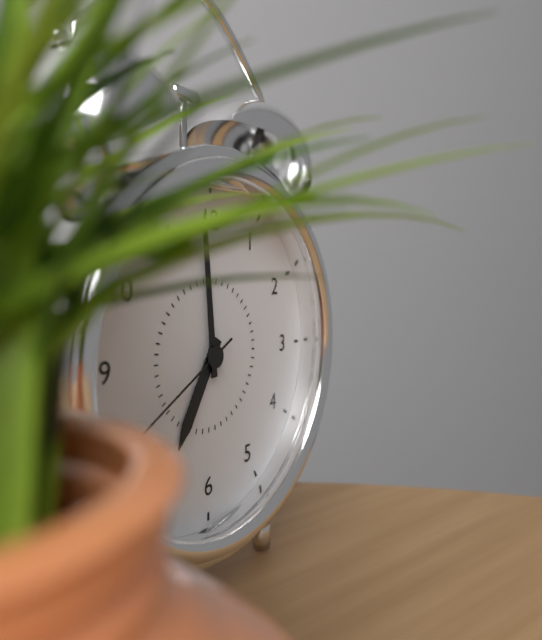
6:59:40
